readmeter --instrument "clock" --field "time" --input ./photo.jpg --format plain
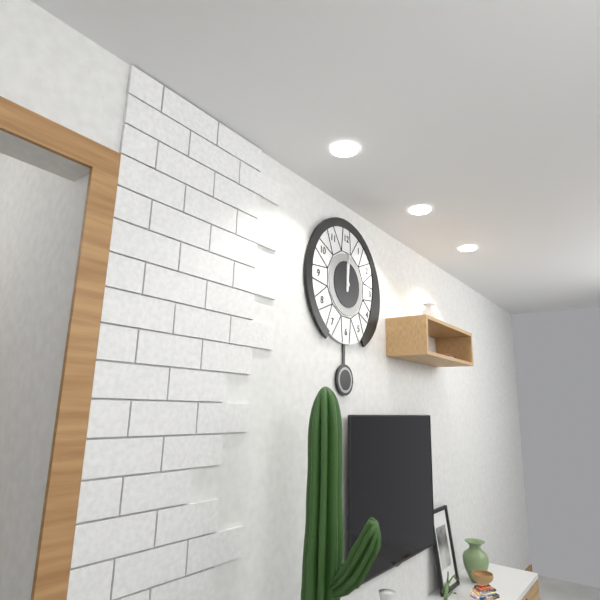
12:01
